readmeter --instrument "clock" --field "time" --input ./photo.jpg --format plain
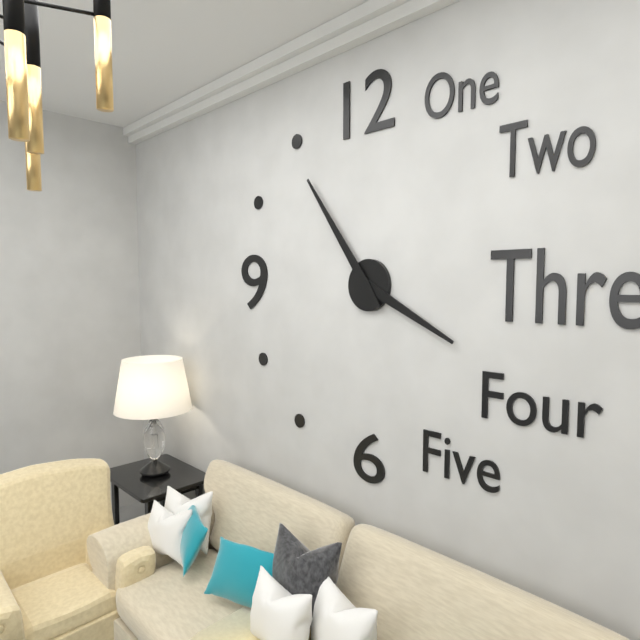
3:54
